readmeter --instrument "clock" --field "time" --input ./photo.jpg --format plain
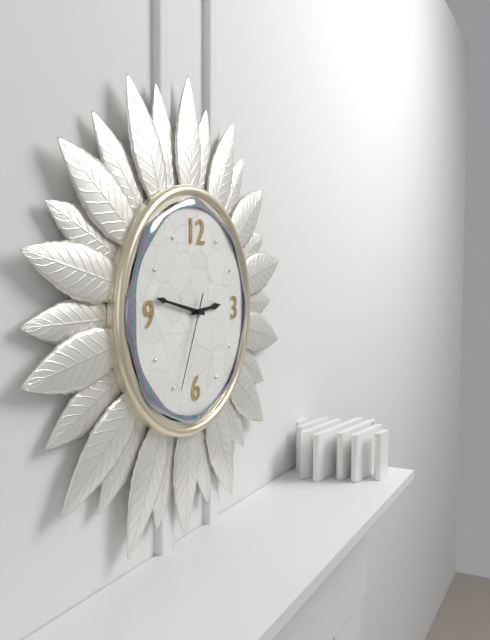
2:47:34
